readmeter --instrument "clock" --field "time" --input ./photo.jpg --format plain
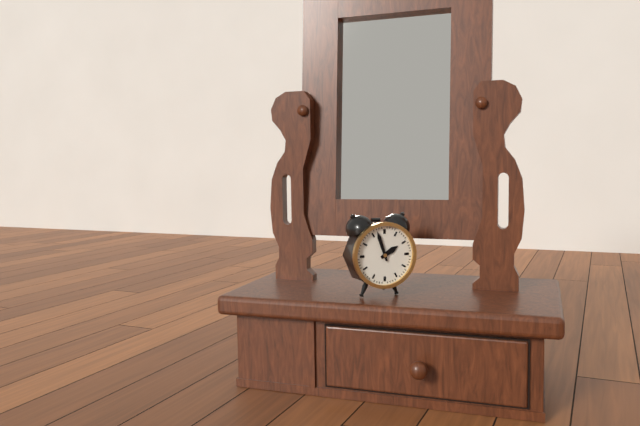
1:57
